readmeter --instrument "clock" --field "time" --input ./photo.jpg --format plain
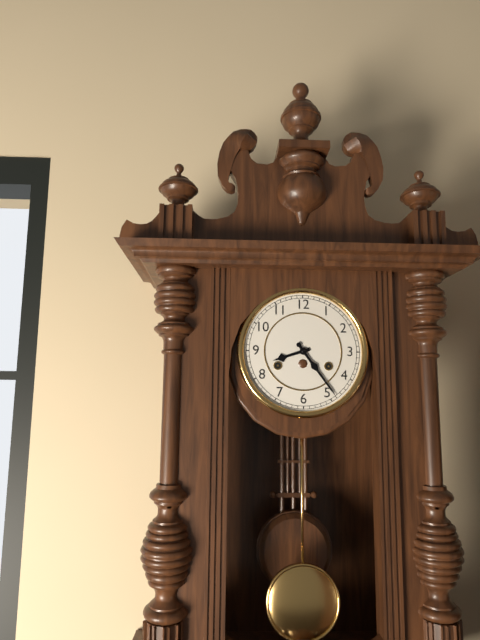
8:24
